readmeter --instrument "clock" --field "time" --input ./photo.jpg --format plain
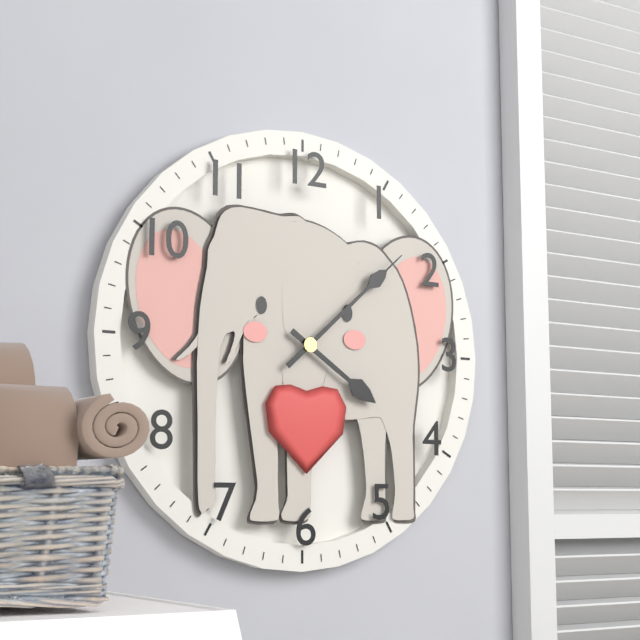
4:08
